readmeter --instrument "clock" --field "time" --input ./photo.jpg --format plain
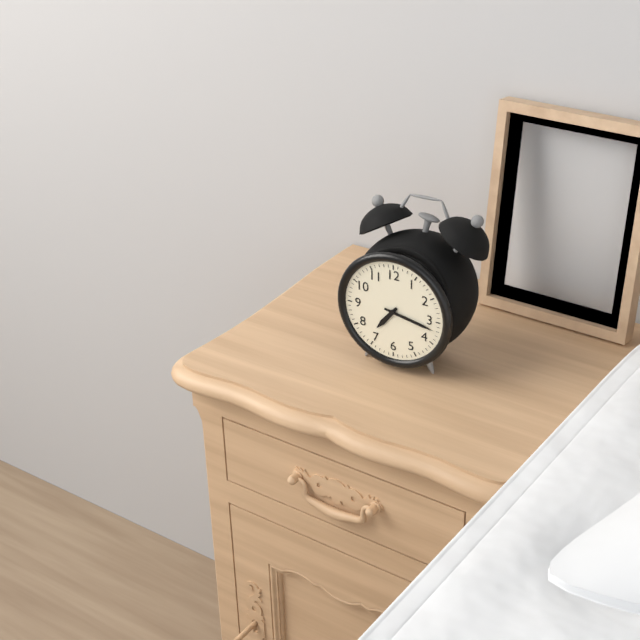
7:17
